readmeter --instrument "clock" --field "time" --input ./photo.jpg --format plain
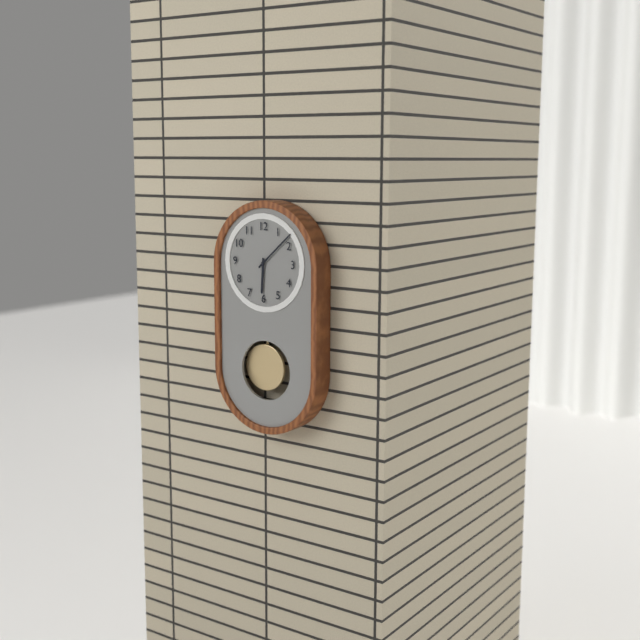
6:08
